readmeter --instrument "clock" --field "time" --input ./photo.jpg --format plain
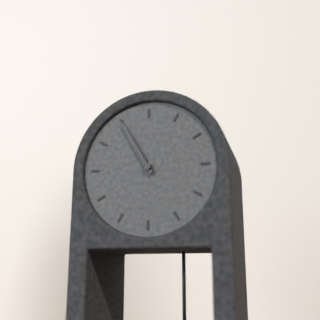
10:55
